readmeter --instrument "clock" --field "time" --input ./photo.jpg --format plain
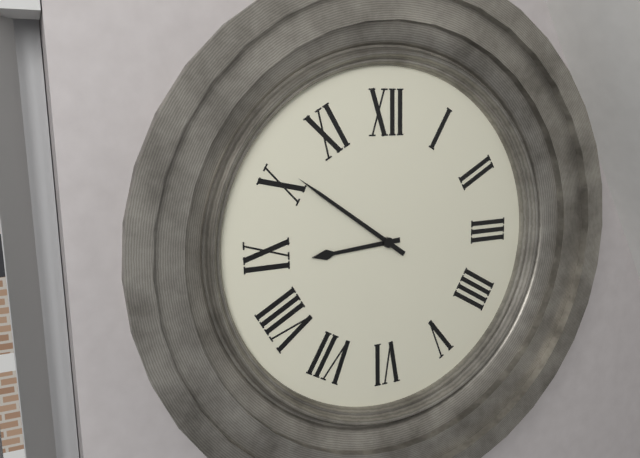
8:51
